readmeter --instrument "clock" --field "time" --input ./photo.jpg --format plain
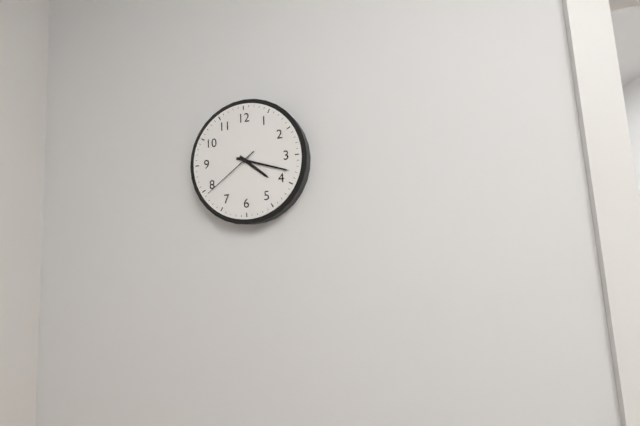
4:18:39
